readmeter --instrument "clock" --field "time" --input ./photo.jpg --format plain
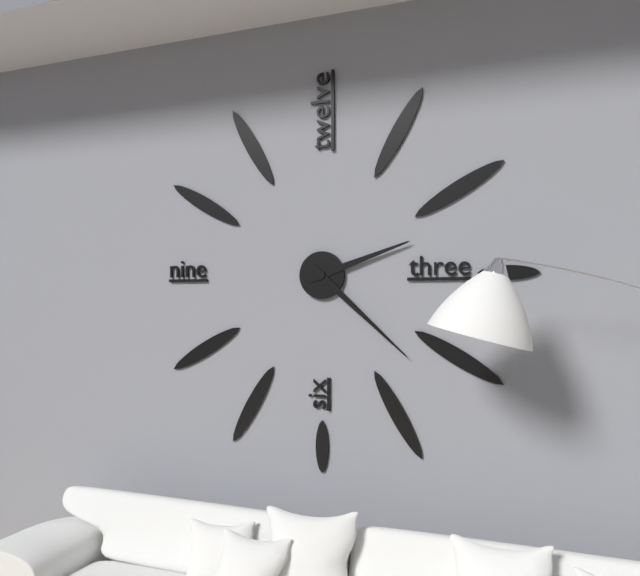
2:22
